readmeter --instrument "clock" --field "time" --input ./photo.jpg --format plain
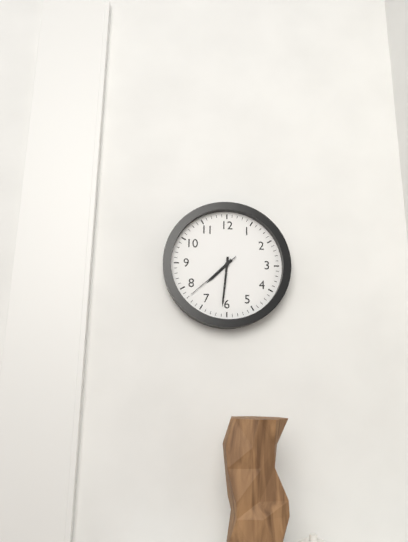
7:31:38
